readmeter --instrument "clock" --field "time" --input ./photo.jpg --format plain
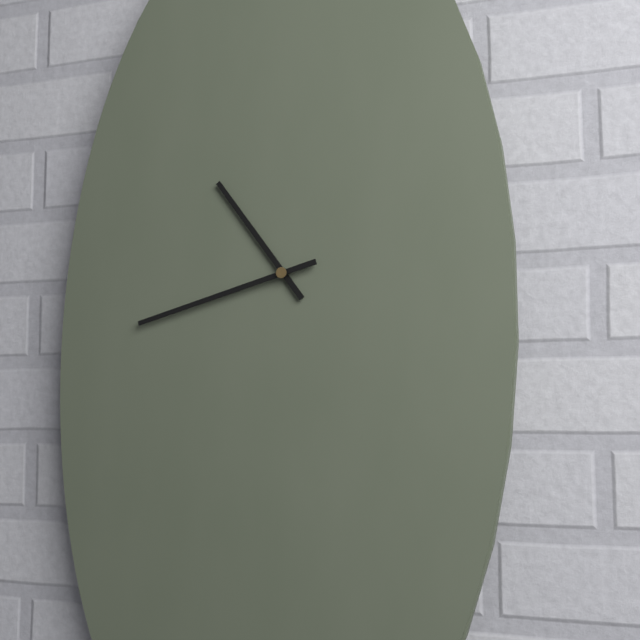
10:42
